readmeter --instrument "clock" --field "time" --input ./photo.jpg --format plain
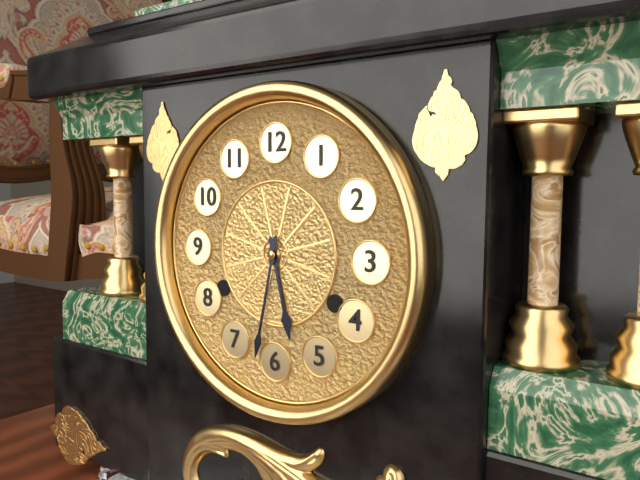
5:32
